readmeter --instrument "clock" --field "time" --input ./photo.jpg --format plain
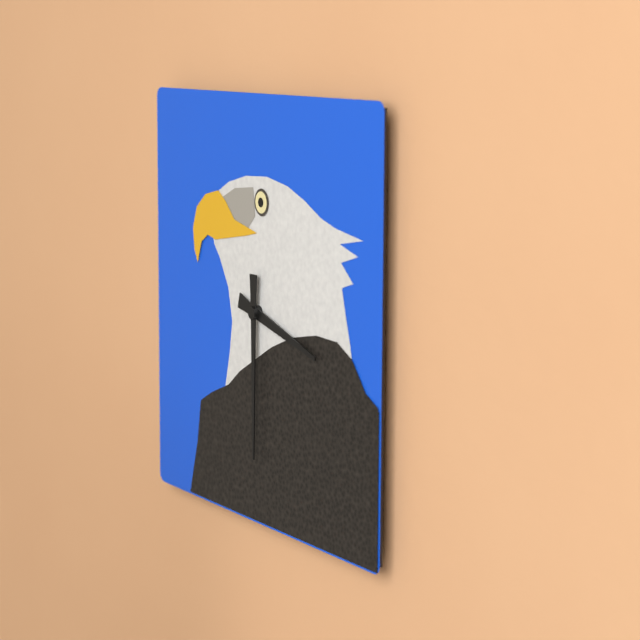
3:30
